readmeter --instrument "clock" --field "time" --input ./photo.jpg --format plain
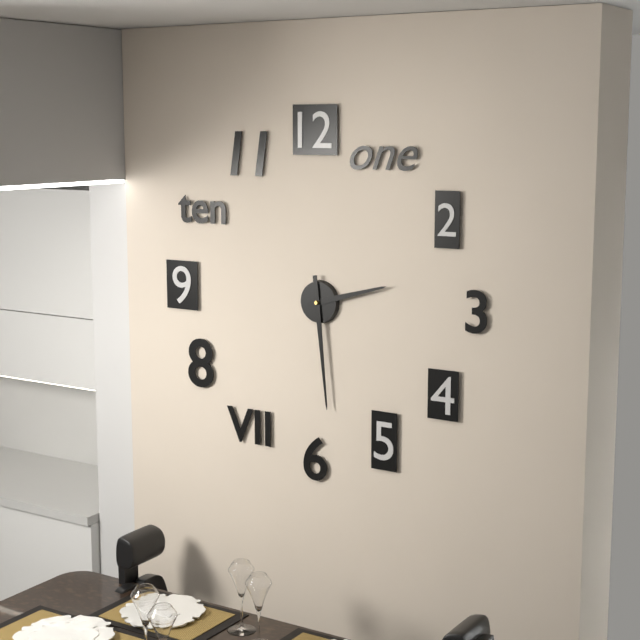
2:29
